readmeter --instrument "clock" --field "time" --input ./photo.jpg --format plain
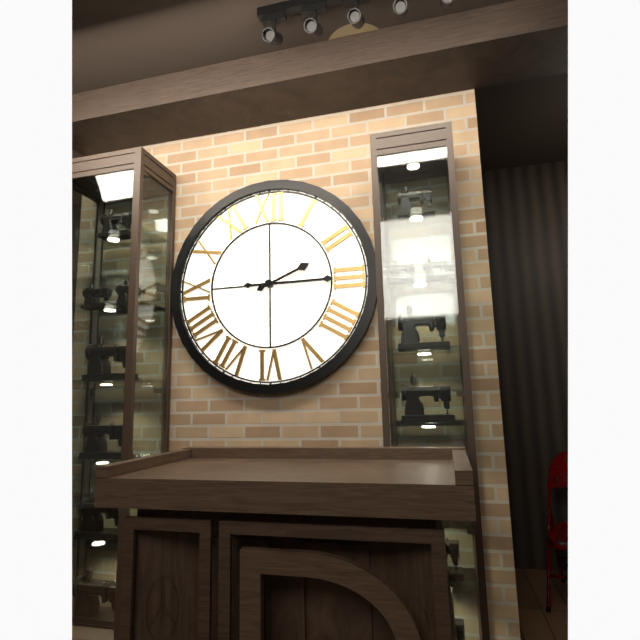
2:15
